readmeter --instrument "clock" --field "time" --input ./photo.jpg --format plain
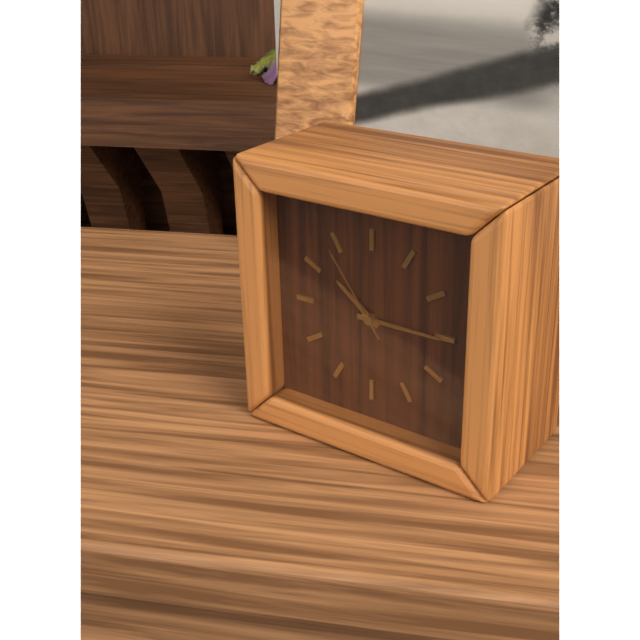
10:15:54
